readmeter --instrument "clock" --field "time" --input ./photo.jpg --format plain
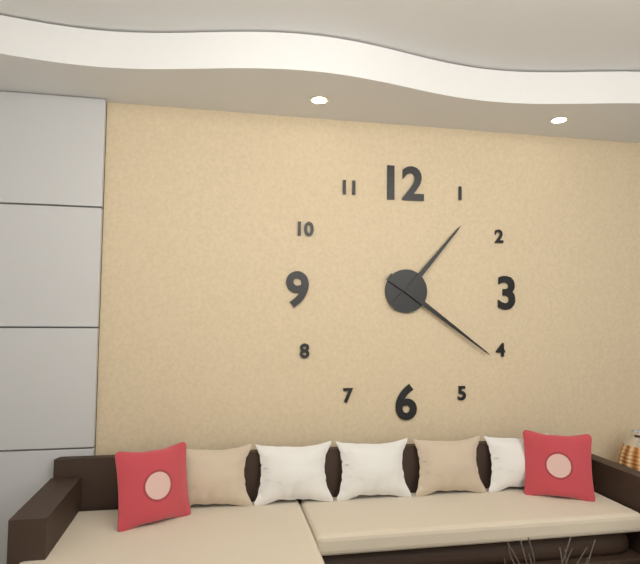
1:21
